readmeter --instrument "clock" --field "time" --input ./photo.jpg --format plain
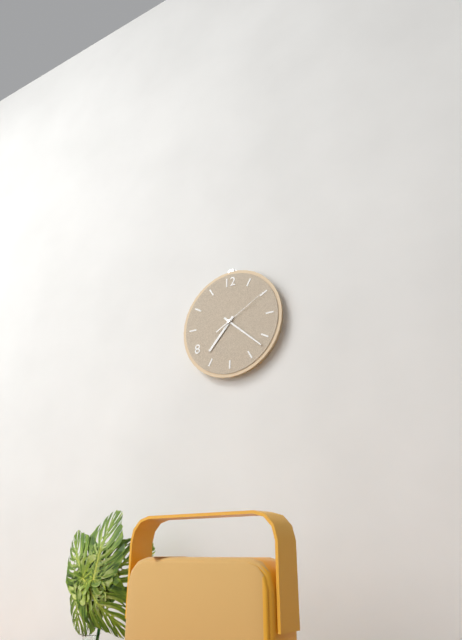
7:22:10
